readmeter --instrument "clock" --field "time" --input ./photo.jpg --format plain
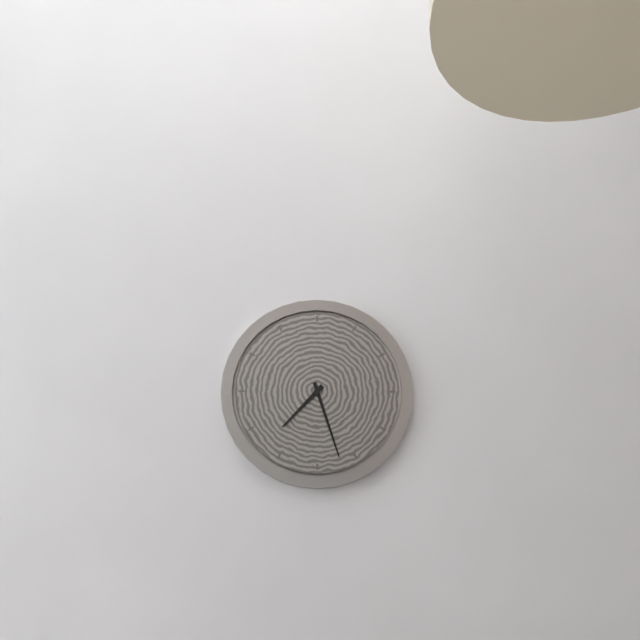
7:27
